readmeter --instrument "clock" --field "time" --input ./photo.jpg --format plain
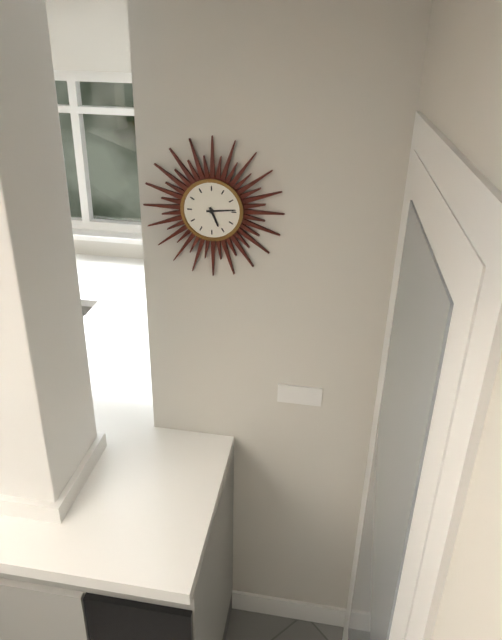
5:14
